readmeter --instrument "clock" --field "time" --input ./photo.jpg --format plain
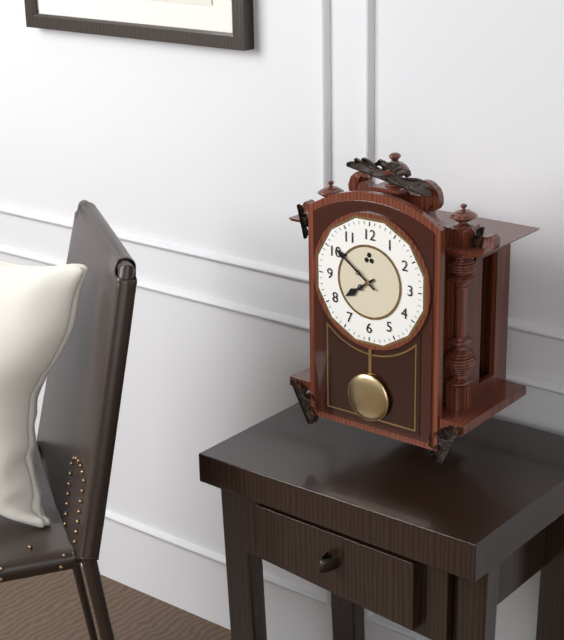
7:51
